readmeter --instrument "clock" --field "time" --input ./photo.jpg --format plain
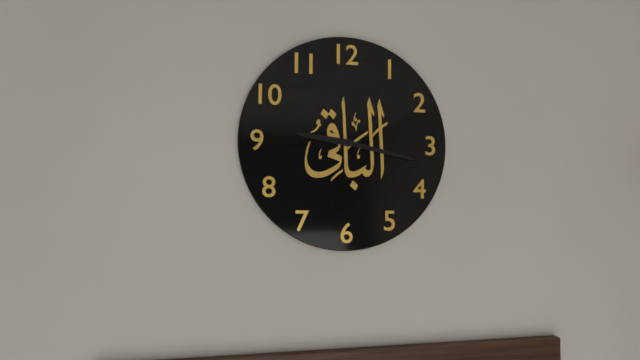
9:17
